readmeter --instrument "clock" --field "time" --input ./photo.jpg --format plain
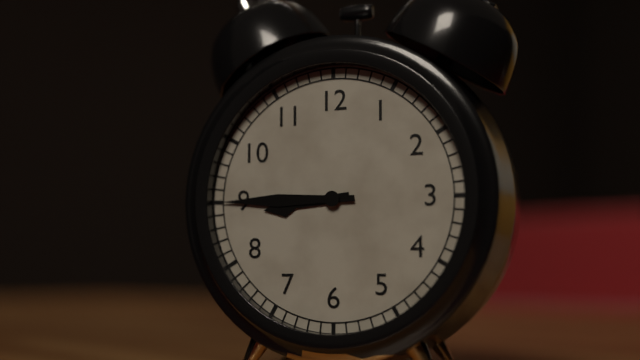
8:45
